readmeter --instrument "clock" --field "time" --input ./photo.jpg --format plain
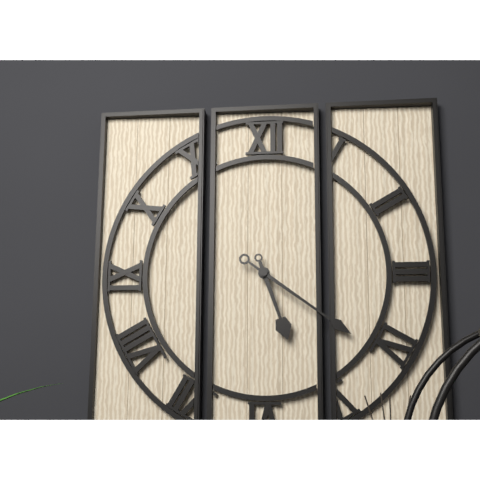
5:21
